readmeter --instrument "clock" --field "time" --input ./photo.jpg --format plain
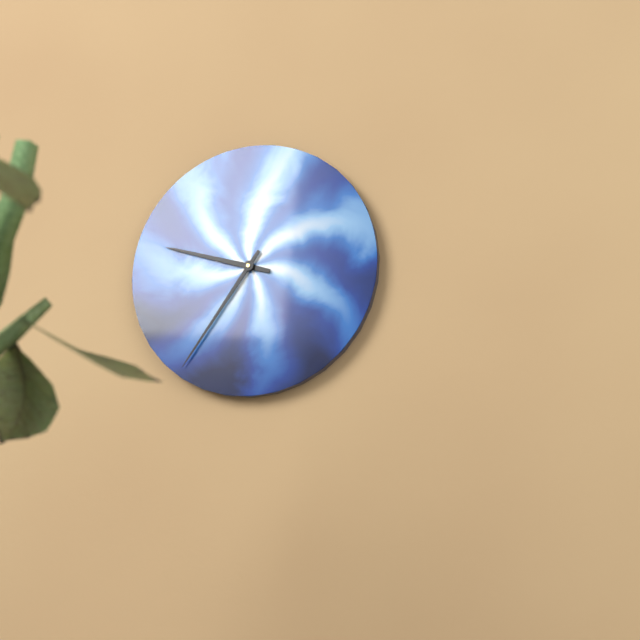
9:36
